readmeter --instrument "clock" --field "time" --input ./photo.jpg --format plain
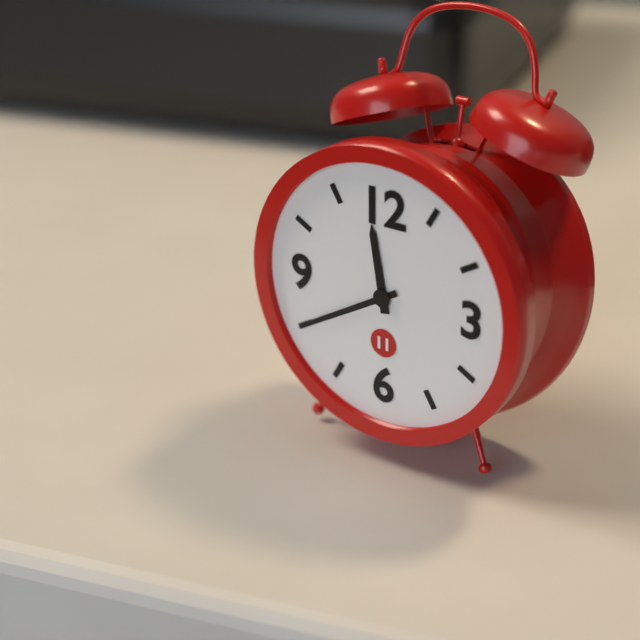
11:40
